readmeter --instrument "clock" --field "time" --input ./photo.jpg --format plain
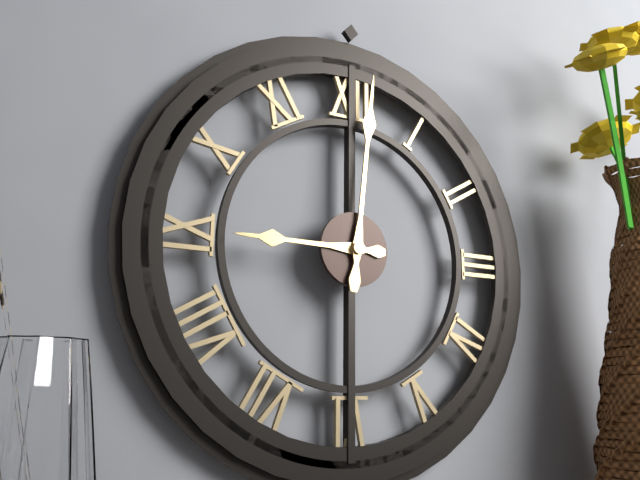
9:01
